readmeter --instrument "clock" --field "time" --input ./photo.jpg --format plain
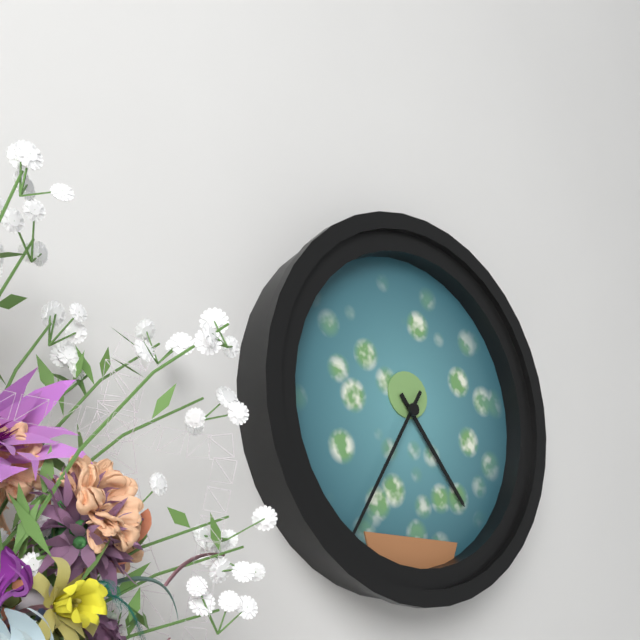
4:35
